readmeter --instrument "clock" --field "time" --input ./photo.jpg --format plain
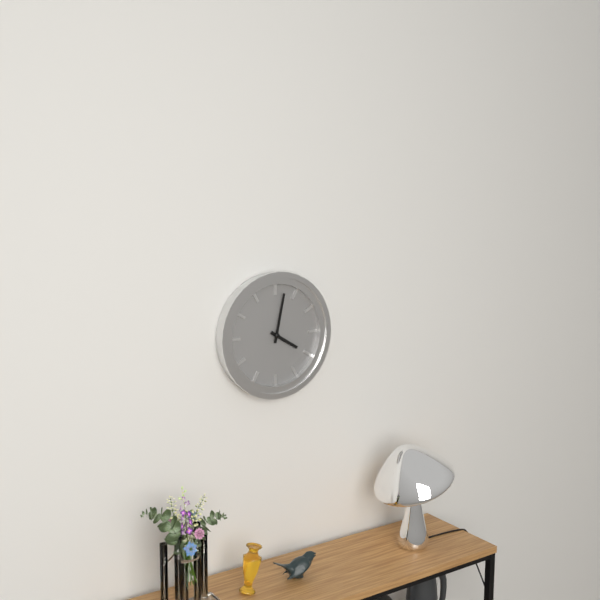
4:02
